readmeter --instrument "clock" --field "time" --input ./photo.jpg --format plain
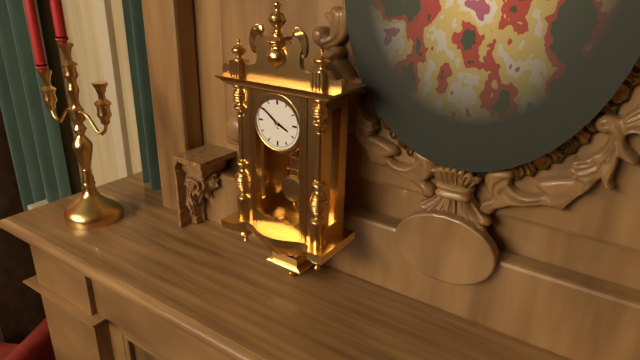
3:51
